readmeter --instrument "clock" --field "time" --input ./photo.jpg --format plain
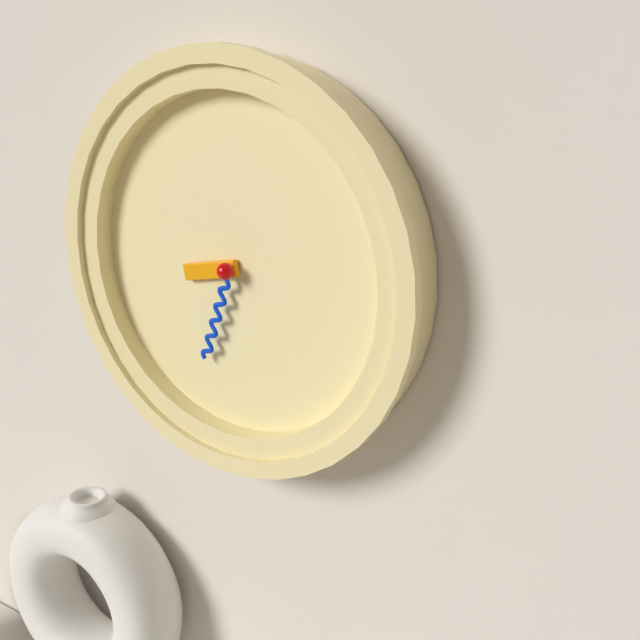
8:33
